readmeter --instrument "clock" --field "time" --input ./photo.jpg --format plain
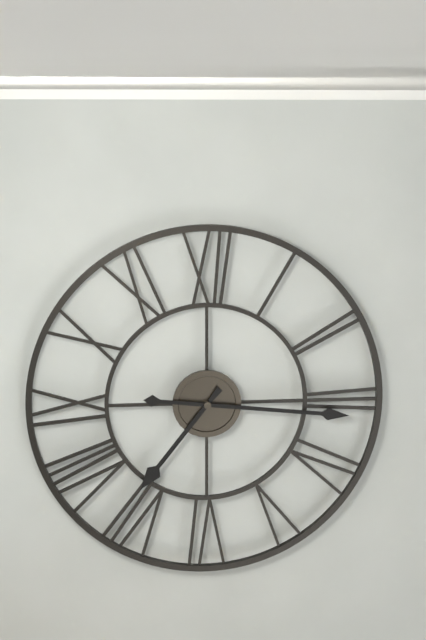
7:16
